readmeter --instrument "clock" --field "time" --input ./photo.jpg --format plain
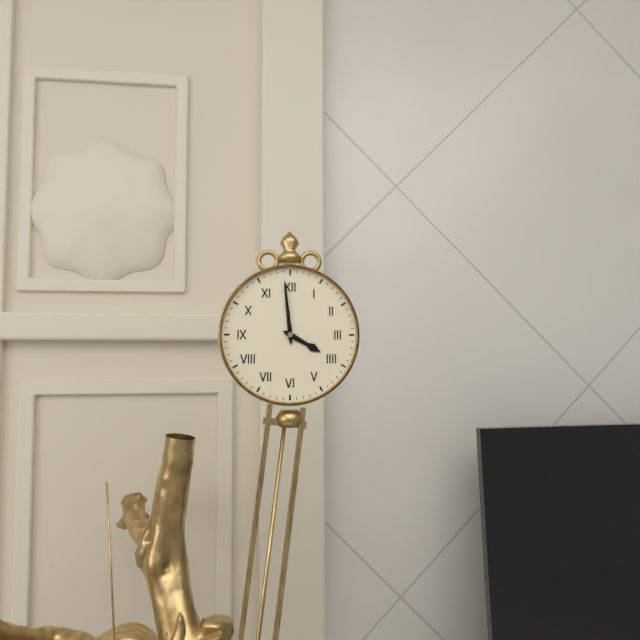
3:59
